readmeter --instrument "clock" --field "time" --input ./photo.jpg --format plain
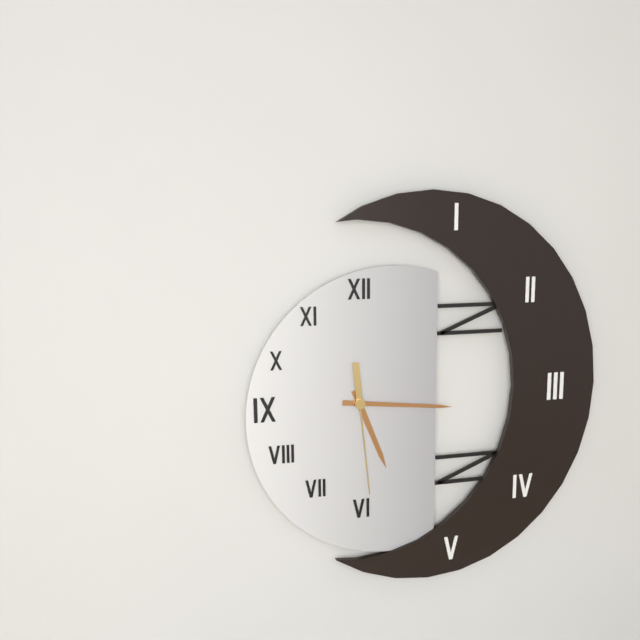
5:16:29
